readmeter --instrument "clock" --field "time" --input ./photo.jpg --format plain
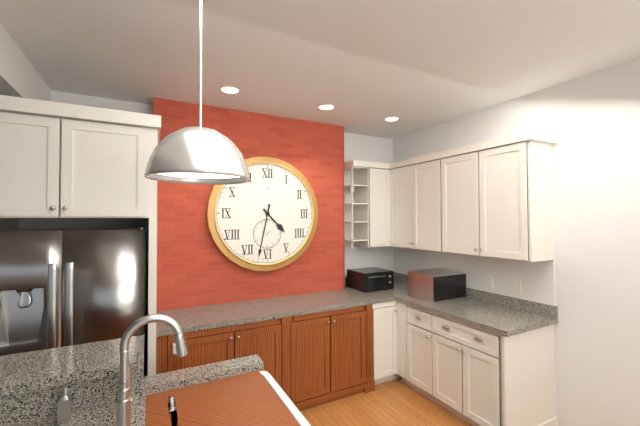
4:32
